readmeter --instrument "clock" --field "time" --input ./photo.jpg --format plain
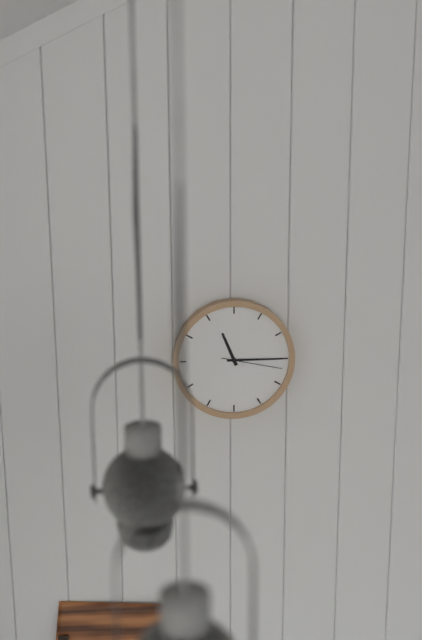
11:15:17
